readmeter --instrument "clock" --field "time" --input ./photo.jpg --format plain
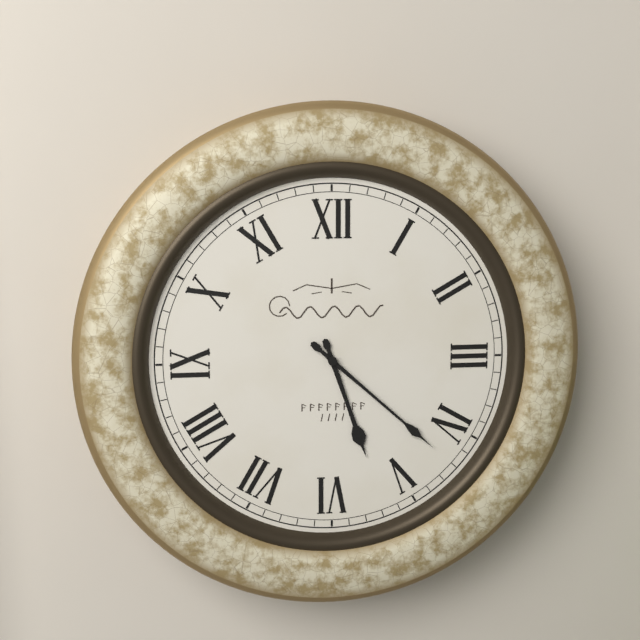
5:22
